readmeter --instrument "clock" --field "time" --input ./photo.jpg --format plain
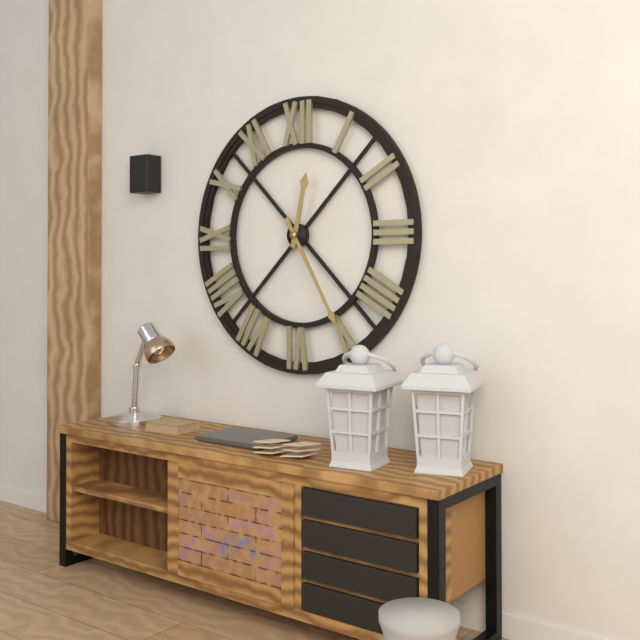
12:25
